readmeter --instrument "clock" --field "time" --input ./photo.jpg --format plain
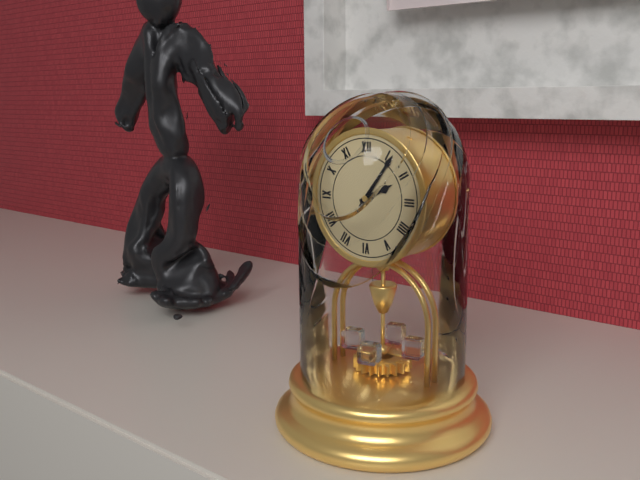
2:06
